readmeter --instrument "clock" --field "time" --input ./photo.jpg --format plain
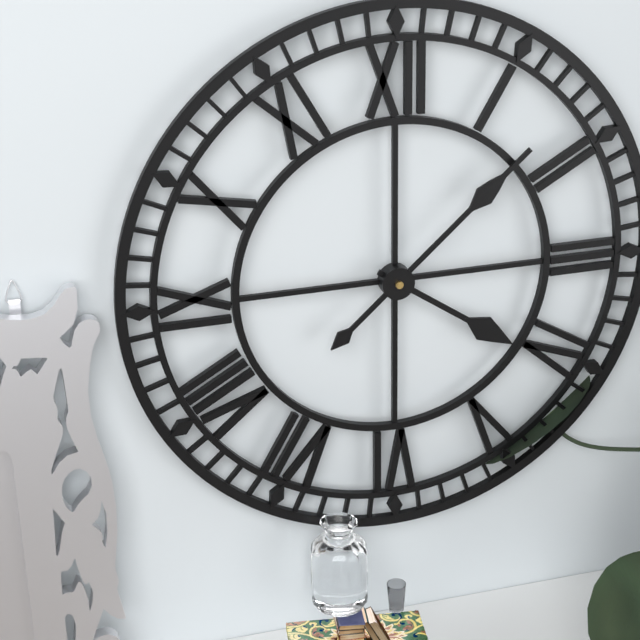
4:08
